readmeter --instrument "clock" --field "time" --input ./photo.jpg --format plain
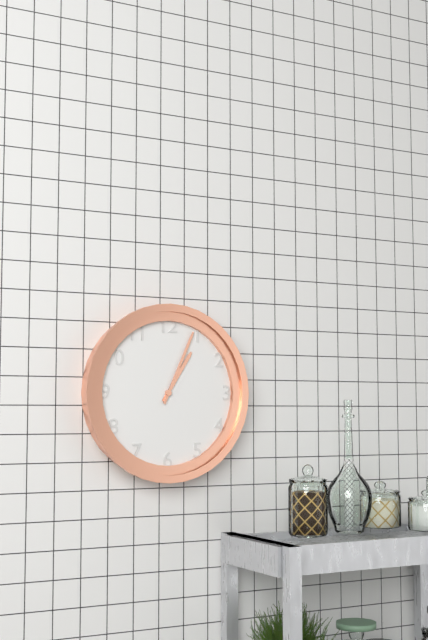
1:04
